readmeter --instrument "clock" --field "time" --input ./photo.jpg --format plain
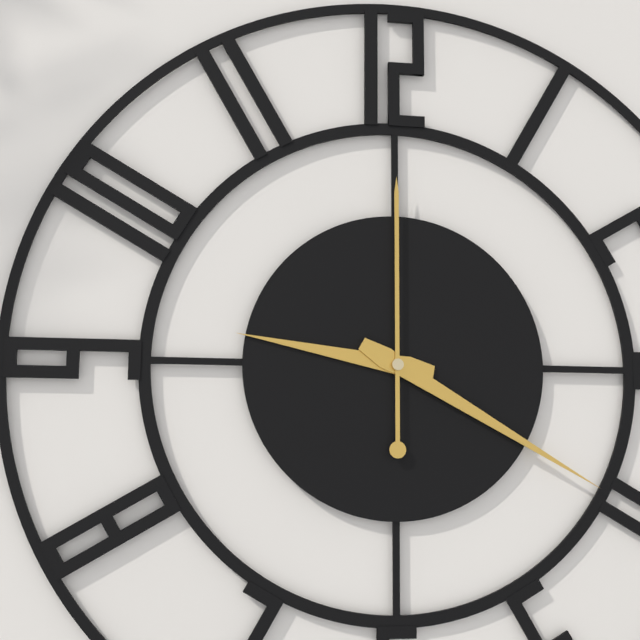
9:20:00
